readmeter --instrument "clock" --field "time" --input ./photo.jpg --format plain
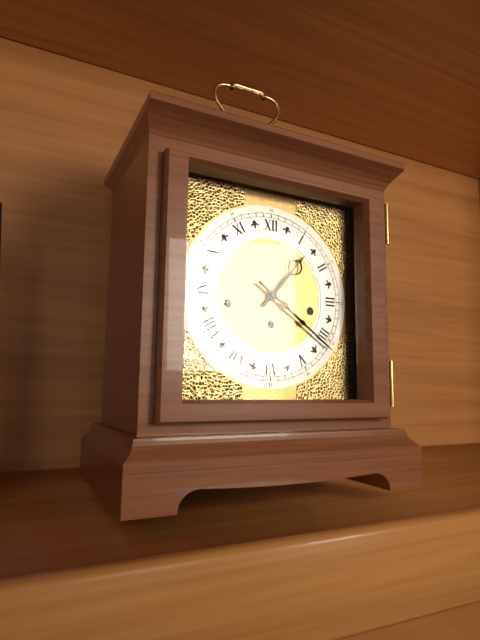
1:21
